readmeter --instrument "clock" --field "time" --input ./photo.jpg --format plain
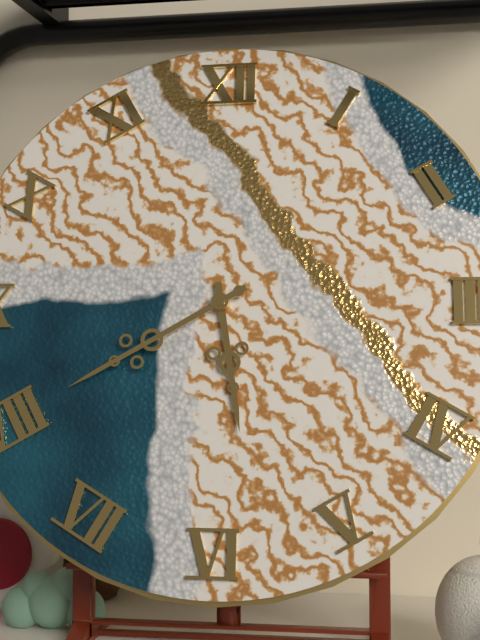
5:40
